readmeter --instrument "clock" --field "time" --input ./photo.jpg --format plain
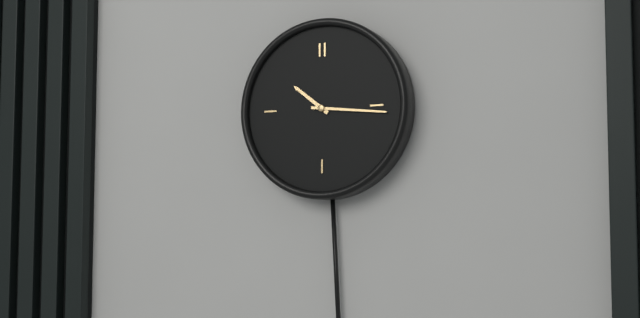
10:16
